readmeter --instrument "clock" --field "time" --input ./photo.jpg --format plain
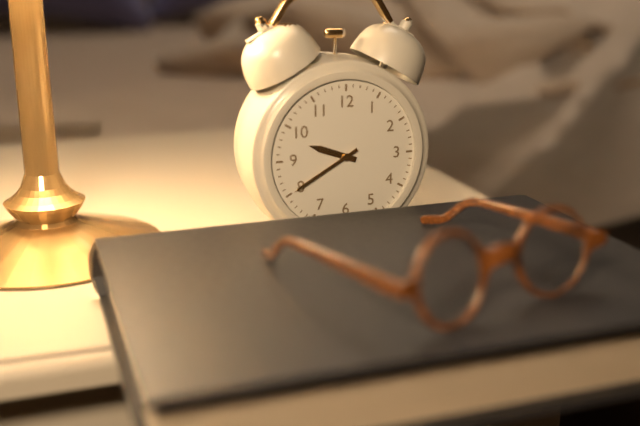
9:40
